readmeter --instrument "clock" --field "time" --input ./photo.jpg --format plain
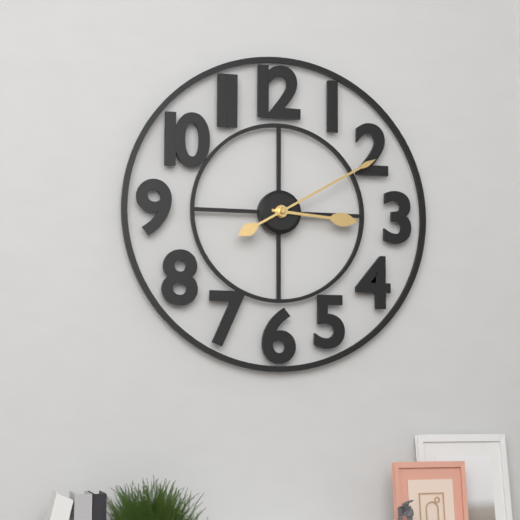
3:10
